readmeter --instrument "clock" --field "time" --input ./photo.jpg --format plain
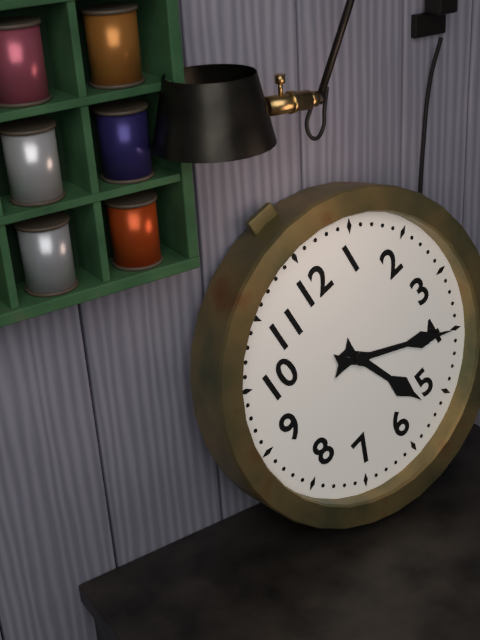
5:20
